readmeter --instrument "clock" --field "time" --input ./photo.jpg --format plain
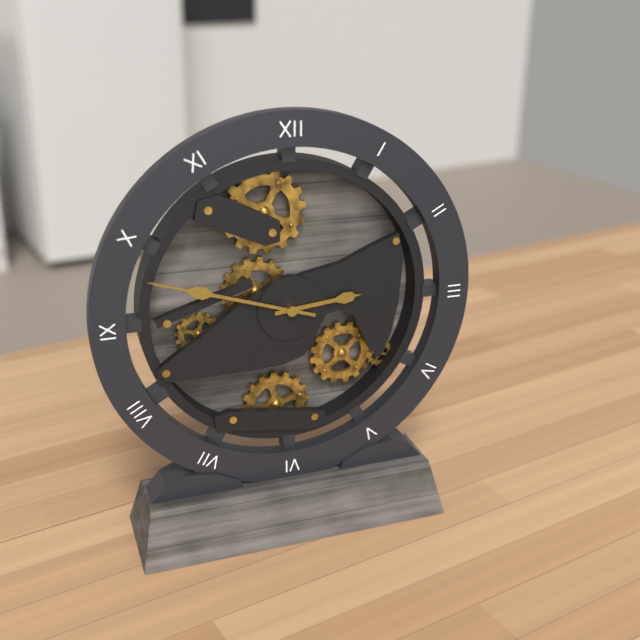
2:48
